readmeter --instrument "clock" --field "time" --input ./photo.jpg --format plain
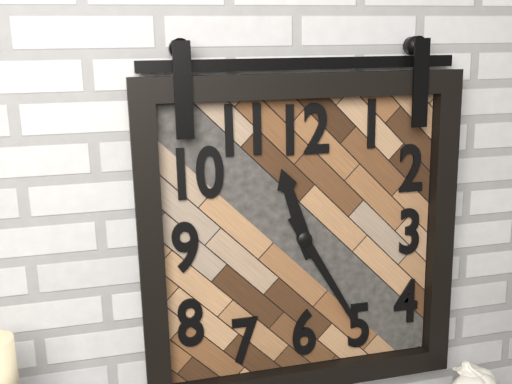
11:25
